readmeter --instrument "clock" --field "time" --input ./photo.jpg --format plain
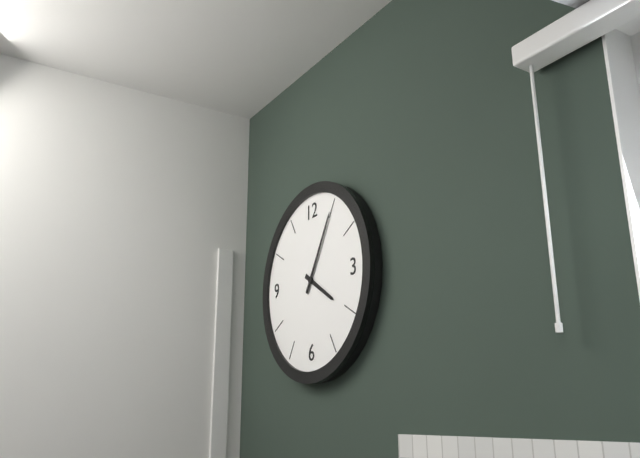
4:05
